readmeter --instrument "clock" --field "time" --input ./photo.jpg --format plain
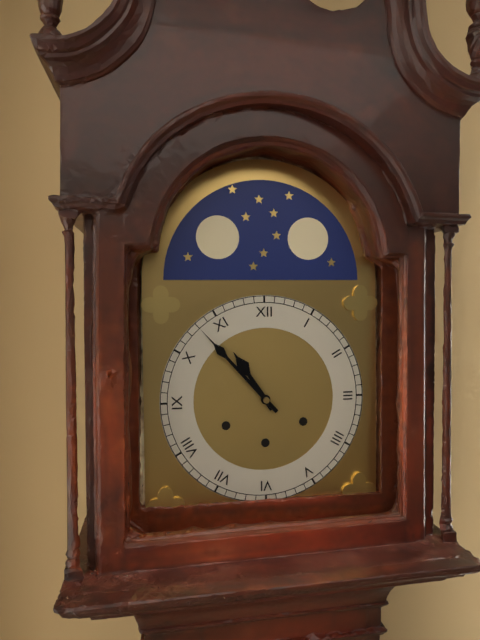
10:53
